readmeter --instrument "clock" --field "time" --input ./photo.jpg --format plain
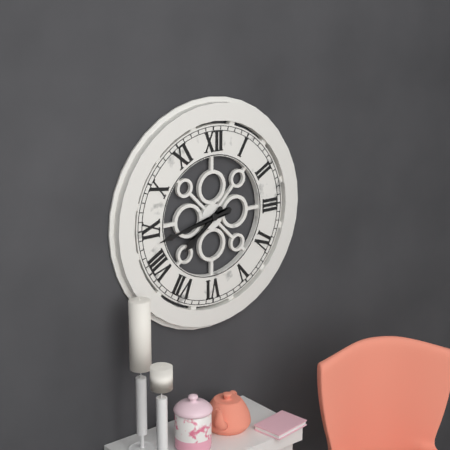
7:43
